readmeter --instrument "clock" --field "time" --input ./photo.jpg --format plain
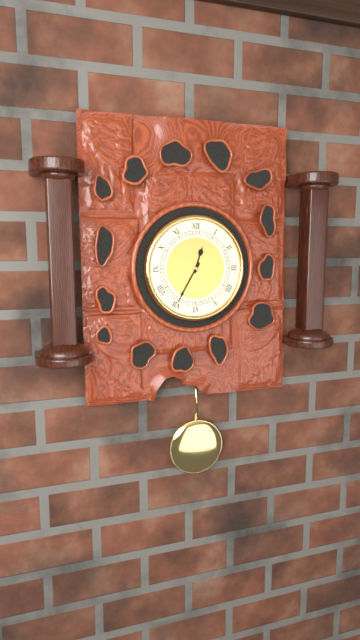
12:35
